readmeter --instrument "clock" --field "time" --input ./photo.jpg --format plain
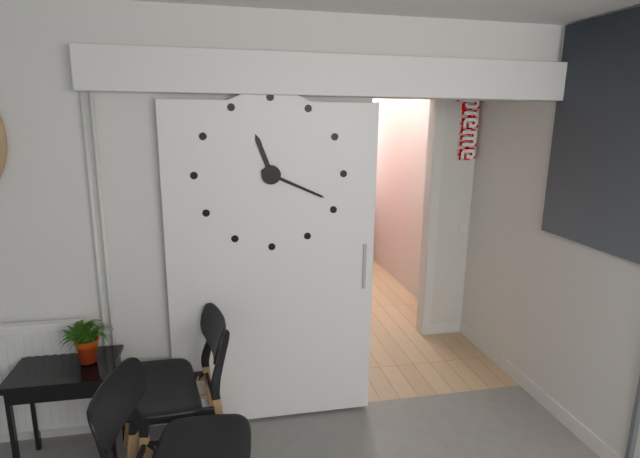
11:19
